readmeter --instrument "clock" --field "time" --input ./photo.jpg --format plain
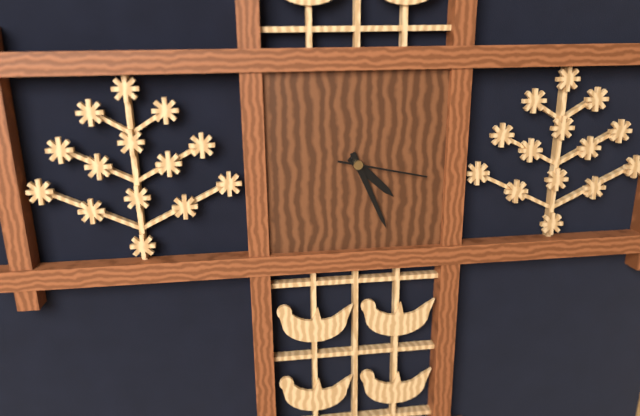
4:26:17
